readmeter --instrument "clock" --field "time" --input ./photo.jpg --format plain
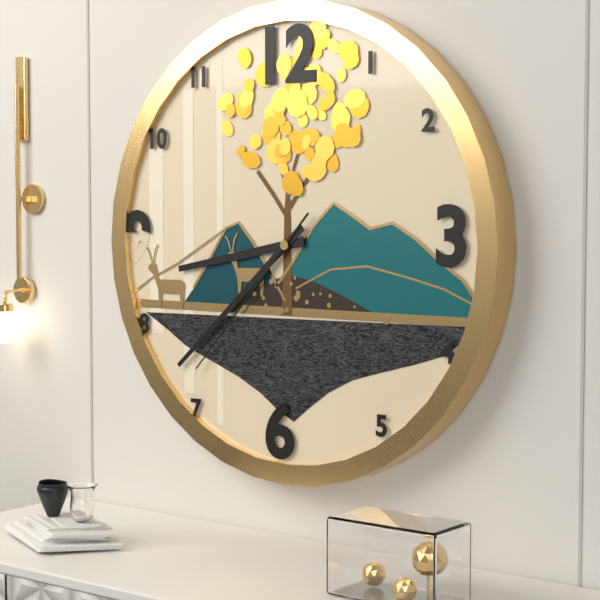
8:38:37
